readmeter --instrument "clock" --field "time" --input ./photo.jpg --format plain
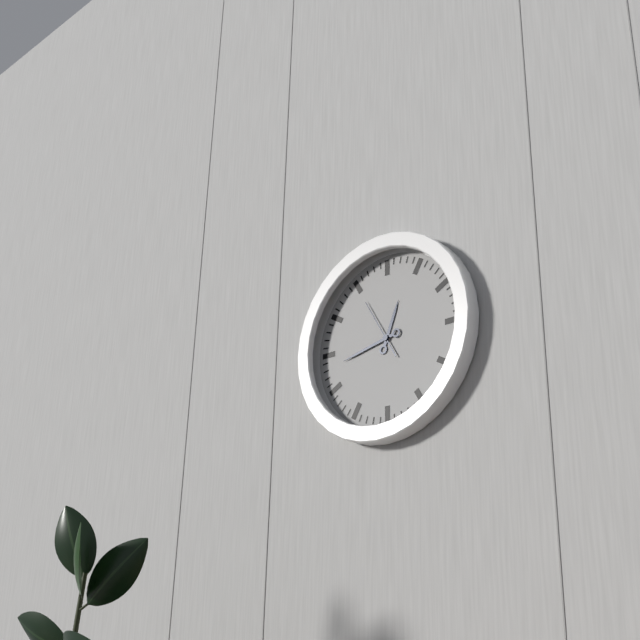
12:43:55
